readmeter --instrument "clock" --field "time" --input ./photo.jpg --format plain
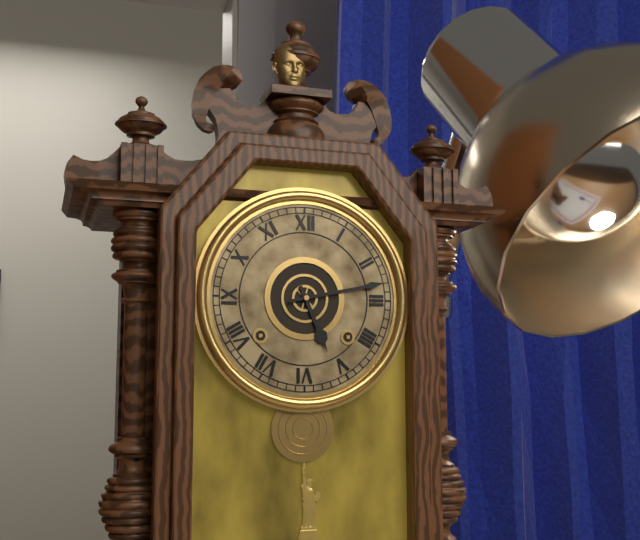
5:13
